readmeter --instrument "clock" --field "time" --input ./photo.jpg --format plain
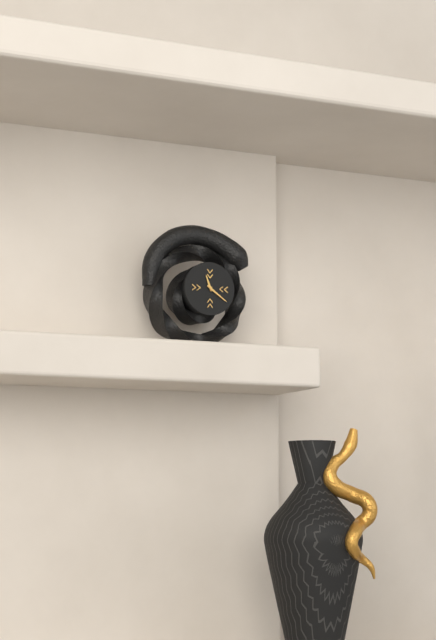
11:21
